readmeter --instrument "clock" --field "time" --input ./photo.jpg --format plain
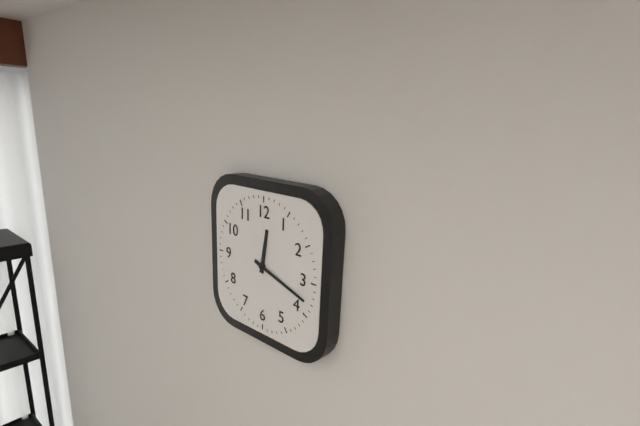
12:18
